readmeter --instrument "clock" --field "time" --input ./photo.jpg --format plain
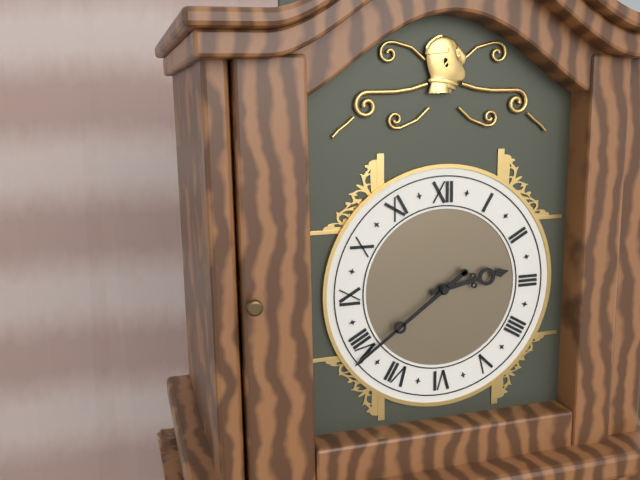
2:39
